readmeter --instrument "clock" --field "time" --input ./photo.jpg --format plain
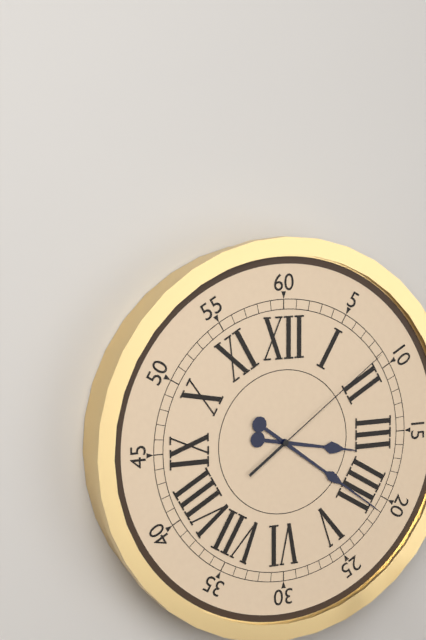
3:21:09
